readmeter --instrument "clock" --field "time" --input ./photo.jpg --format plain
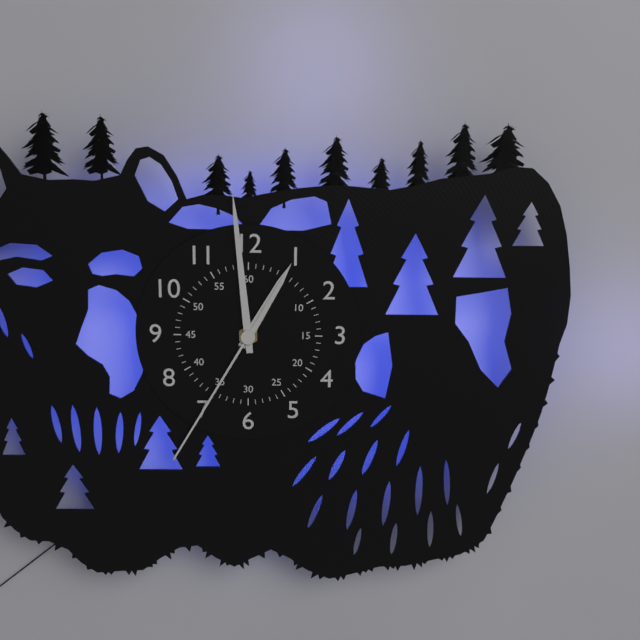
12:59:35
